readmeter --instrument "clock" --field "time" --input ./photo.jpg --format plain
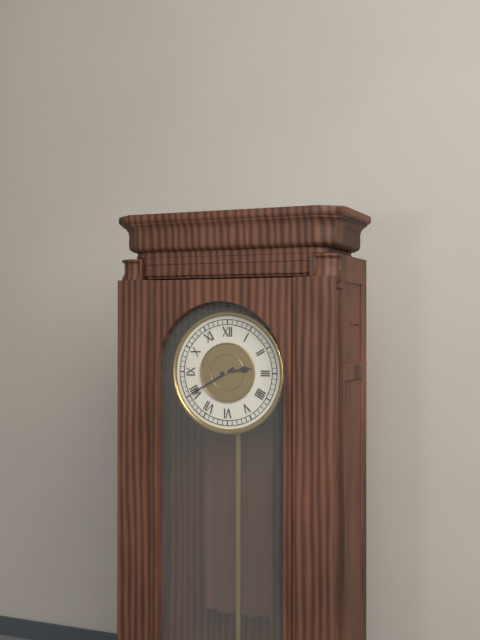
2:40
